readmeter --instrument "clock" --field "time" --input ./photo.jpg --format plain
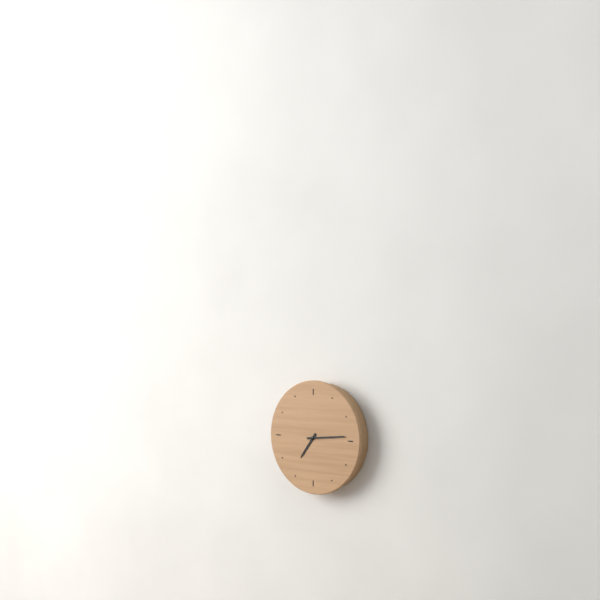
7:14
